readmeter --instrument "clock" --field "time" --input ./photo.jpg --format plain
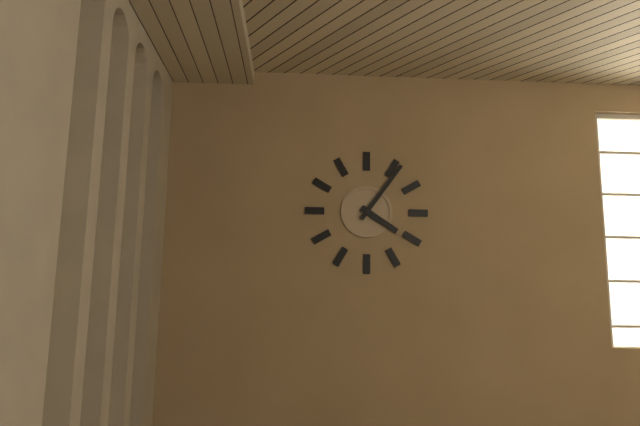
4:06
